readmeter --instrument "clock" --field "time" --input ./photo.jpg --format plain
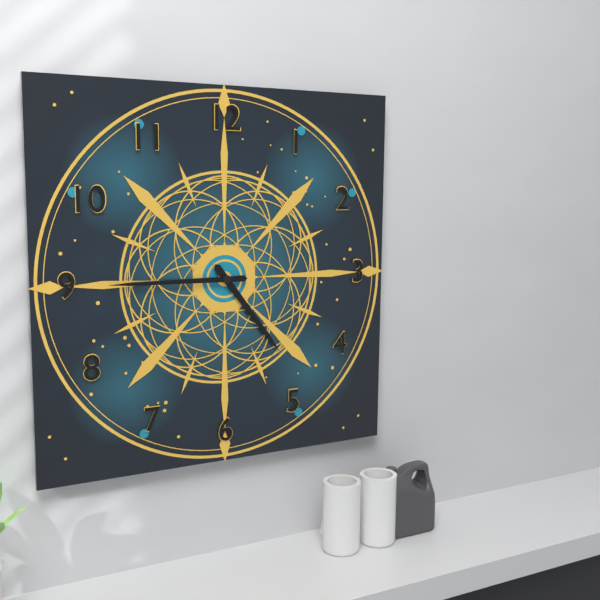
4:45
